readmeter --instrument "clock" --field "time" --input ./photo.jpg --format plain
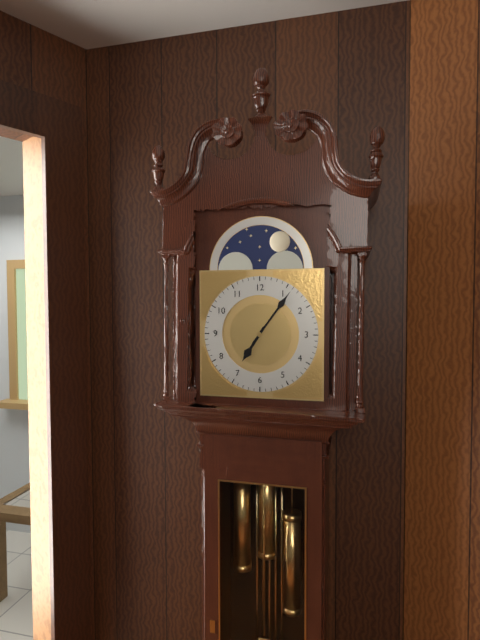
7:06
